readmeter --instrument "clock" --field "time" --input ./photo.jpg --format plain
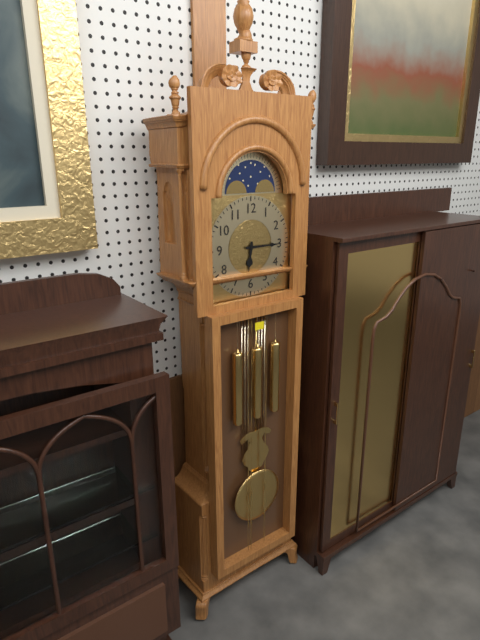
6:15
